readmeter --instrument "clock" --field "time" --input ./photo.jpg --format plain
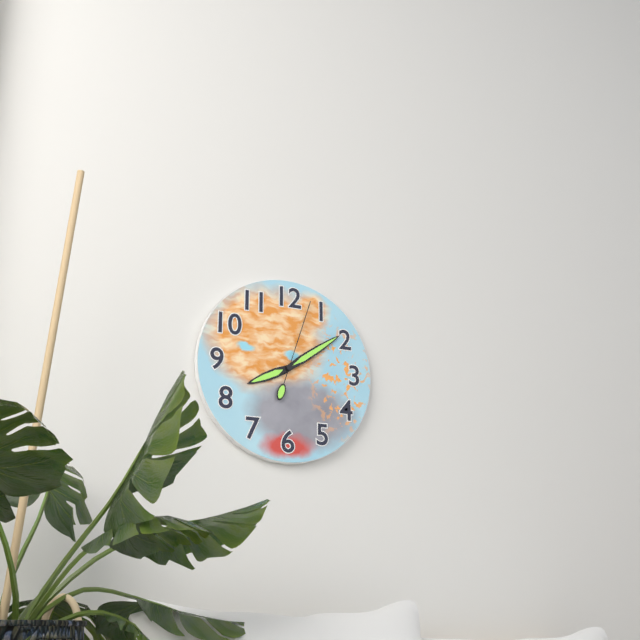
8:09:03
